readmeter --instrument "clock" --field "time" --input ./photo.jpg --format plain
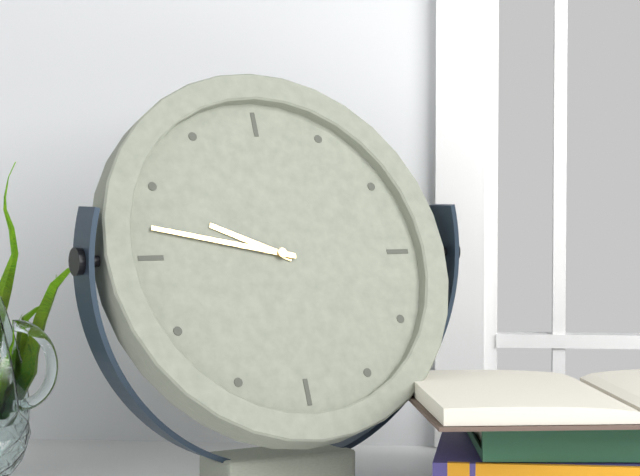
9:47
